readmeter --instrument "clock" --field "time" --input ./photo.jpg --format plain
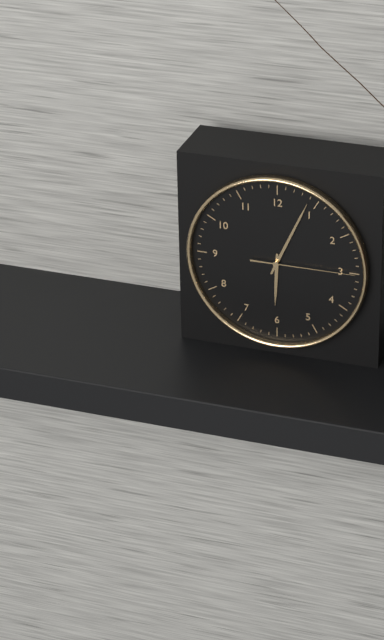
6:04:15
